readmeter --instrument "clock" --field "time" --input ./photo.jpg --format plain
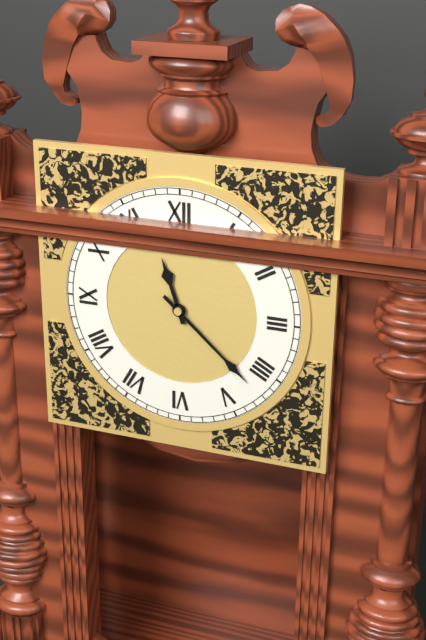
11:22
